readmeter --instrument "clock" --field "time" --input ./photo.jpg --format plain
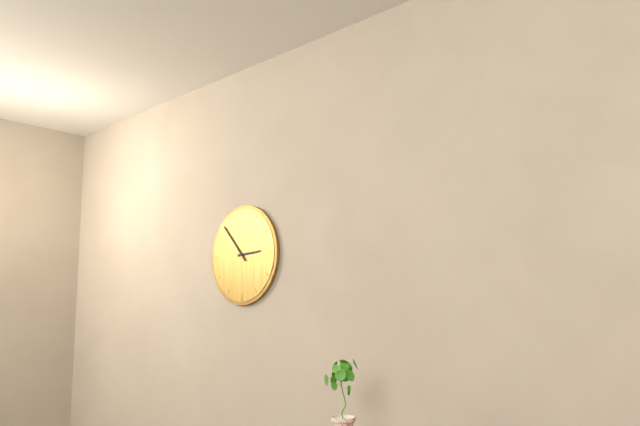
2:53
